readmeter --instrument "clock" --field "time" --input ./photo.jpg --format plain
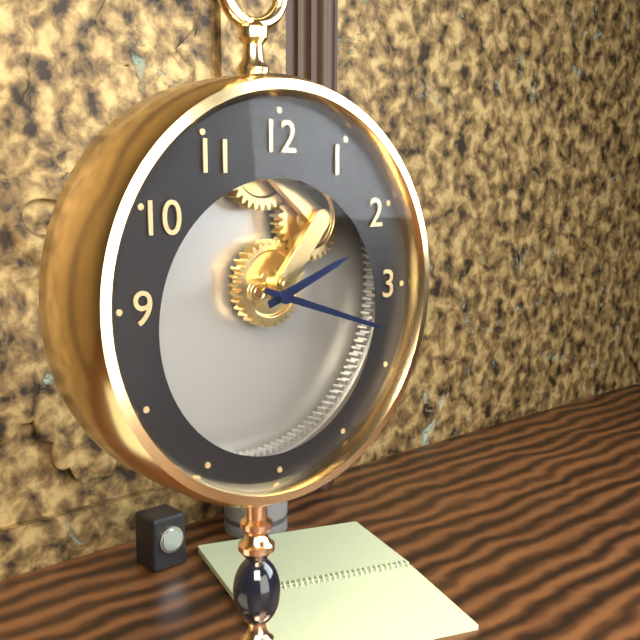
2:18
